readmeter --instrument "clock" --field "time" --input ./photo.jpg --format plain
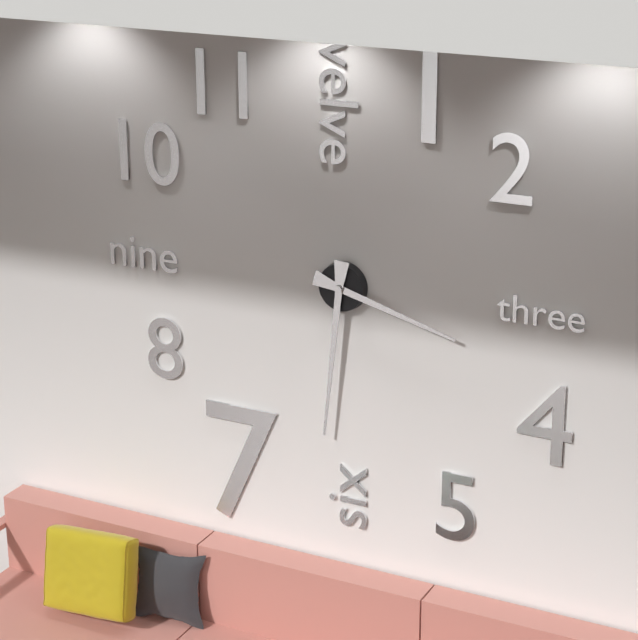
3:31
